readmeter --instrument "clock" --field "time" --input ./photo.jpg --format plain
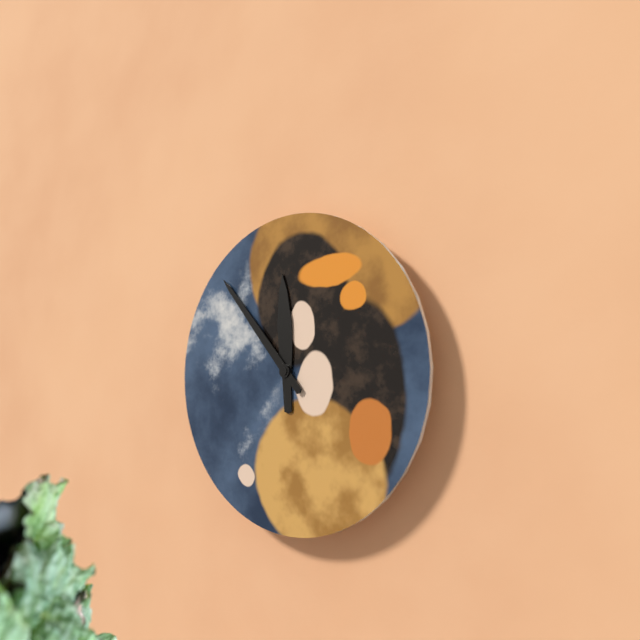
11:53
